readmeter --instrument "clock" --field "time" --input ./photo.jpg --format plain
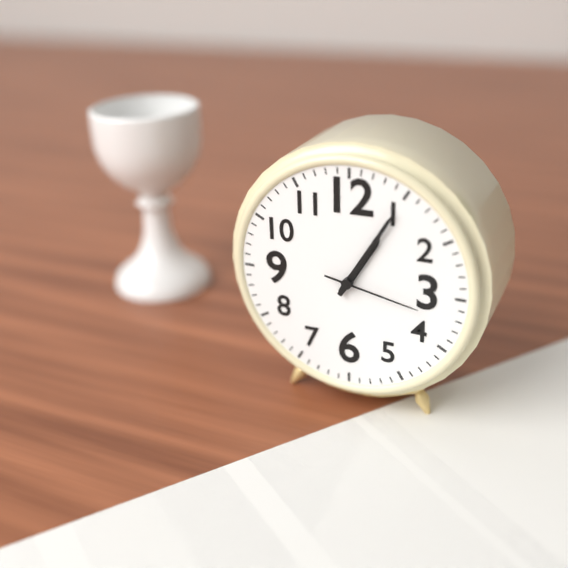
1:05:17
